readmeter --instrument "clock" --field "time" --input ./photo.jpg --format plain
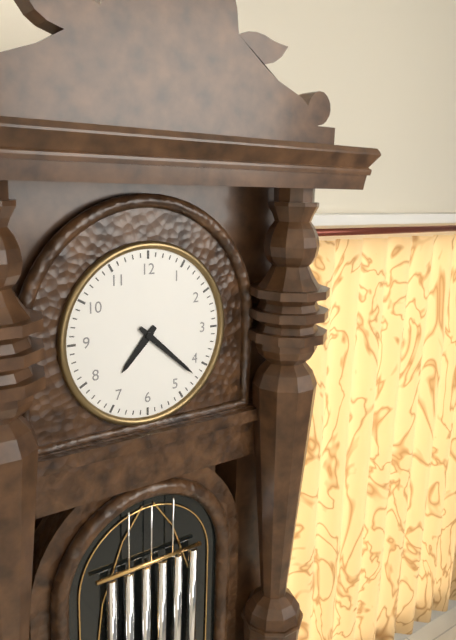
7:22
